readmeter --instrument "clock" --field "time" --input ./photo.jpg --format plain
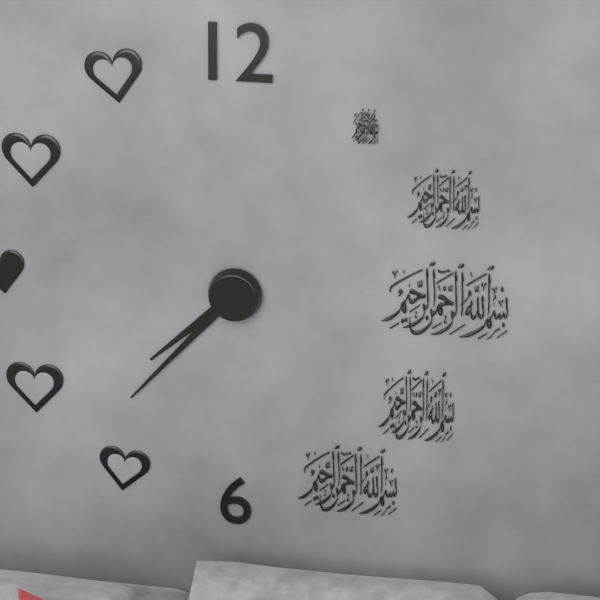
7:37
